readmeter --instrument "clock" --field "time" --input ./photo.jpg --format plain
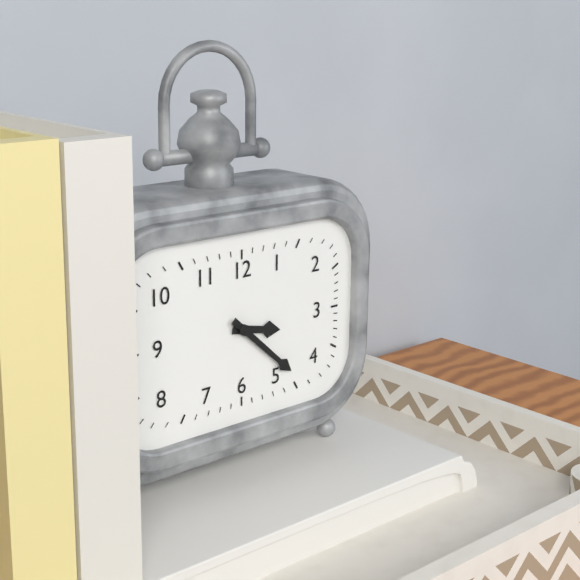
3:22
